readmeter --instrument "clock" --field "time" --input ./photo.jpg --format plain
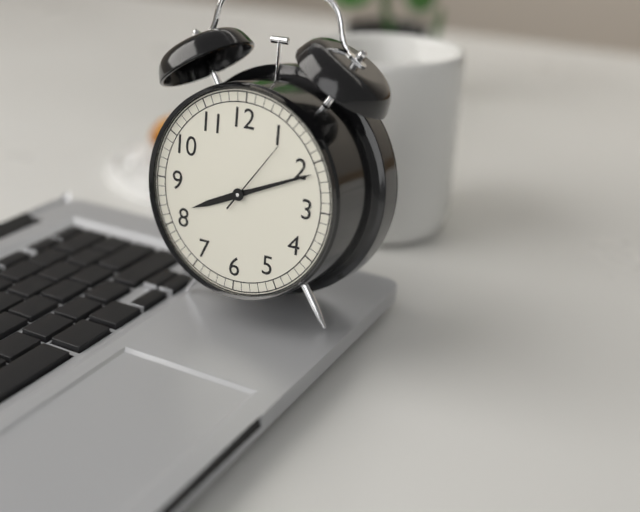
8:11:06
